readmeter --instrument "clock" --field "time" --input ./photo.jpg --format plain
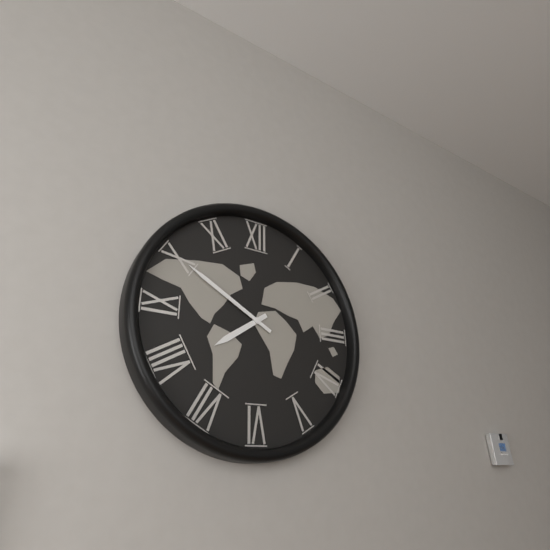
7:50
